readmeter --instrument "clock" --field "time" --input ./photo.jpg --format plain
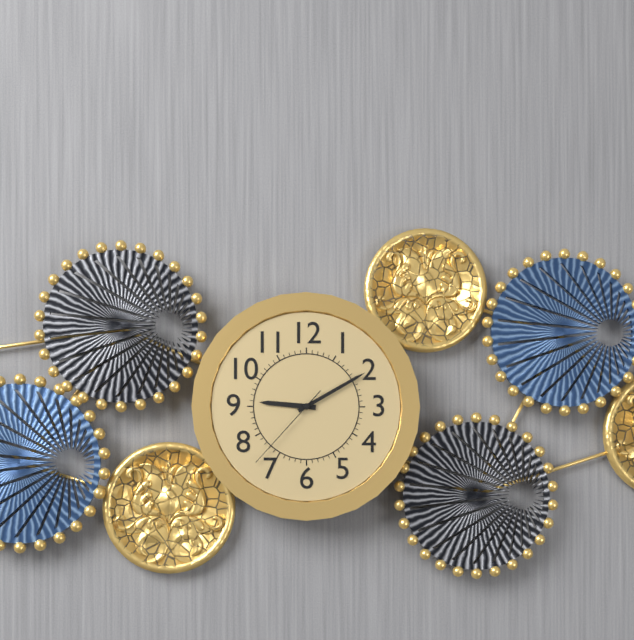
9:10:37
